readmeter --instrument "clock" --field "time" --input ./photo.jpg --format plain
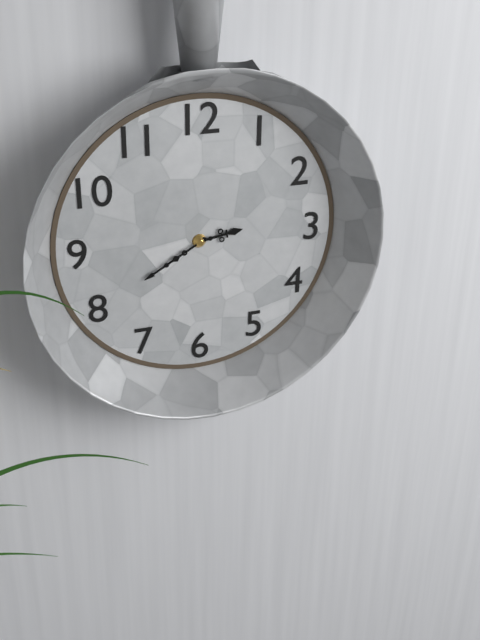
2:40
